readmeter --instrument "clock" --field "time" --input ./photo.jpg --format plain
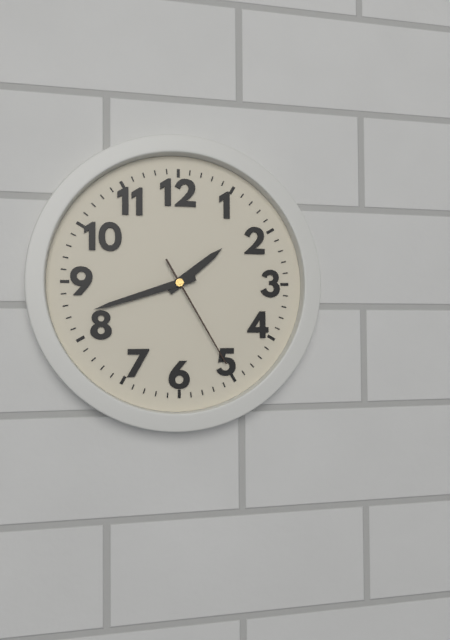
1:42:25
